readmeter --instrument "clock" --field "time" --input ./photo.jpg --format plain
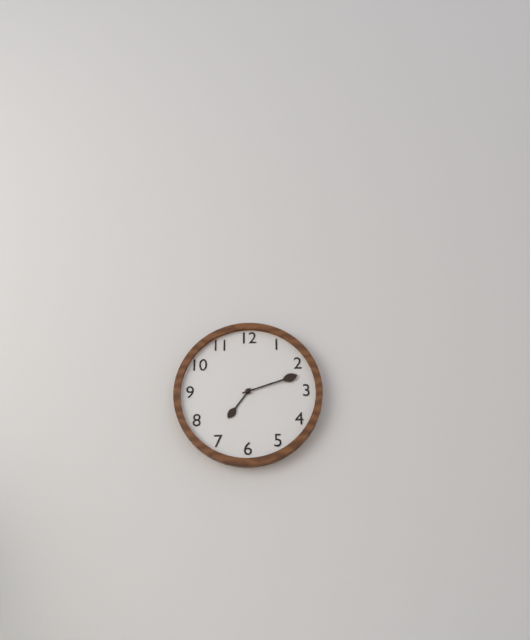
7:12
